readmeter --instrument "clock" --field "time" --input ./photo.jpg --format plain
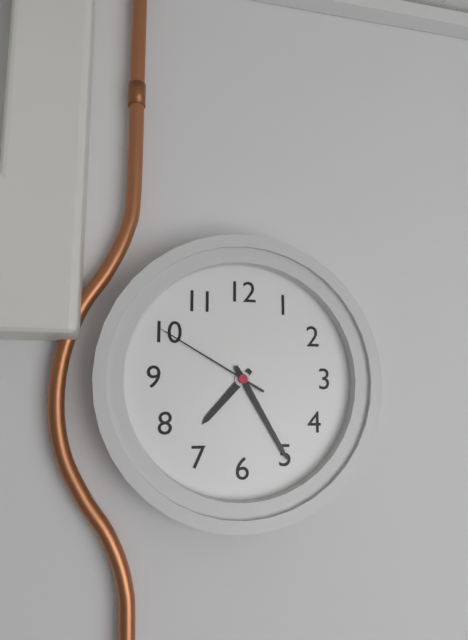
7:25:50
